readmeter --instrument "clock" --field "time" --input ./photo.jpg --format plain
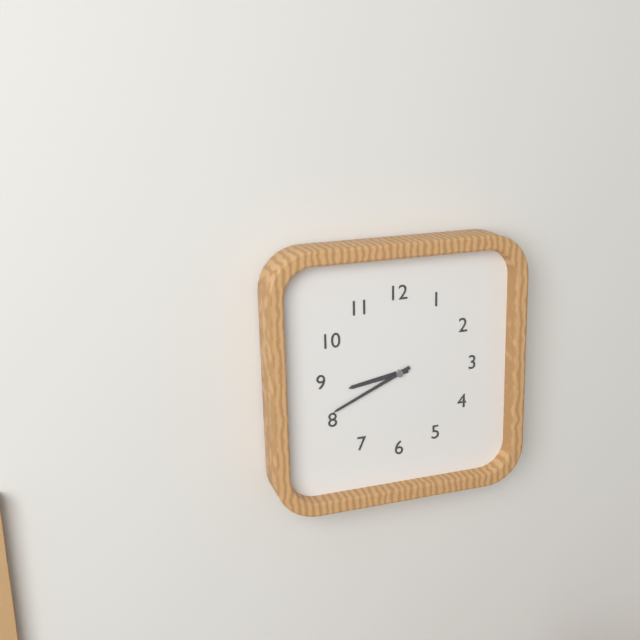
8:41
